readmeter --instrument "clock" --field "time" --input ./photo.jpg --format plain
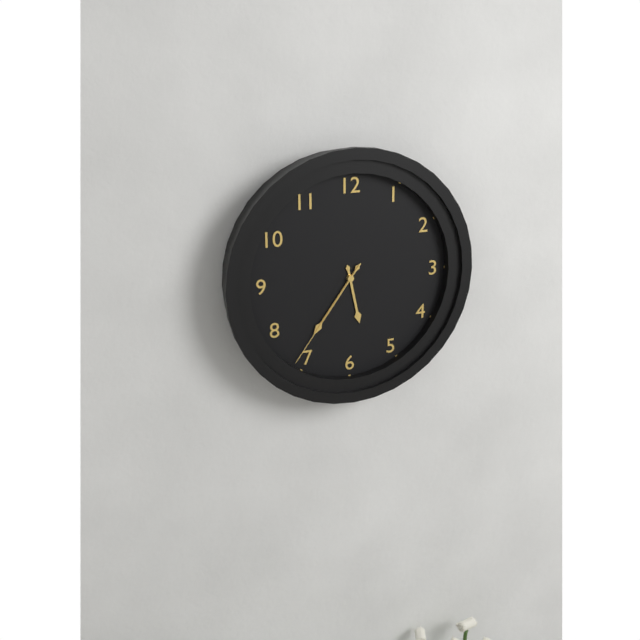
5:36:36
